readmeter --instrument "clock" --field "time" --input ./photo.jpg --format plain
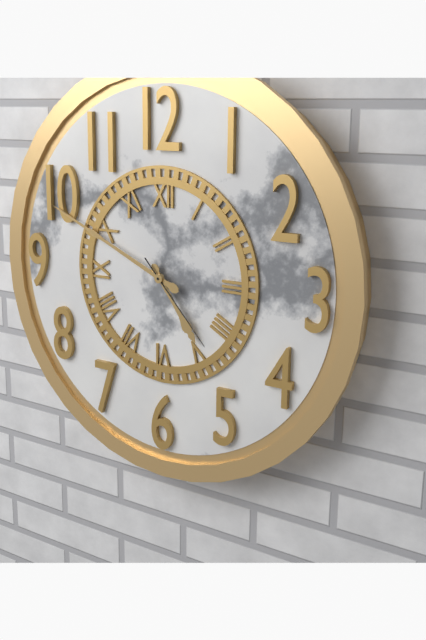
4:49:23
